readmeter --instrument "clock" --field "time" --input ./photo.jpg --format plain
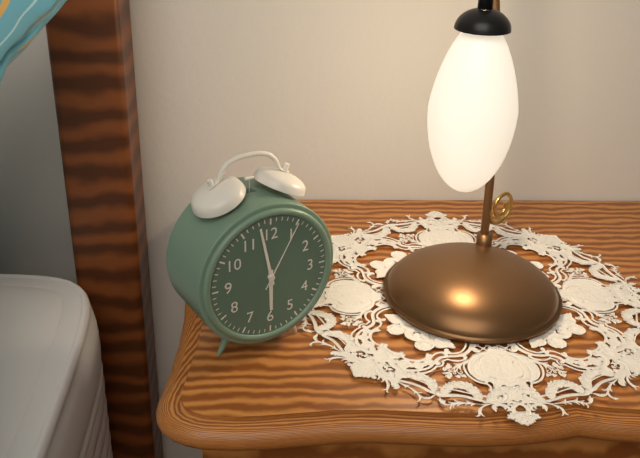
5:58:05
